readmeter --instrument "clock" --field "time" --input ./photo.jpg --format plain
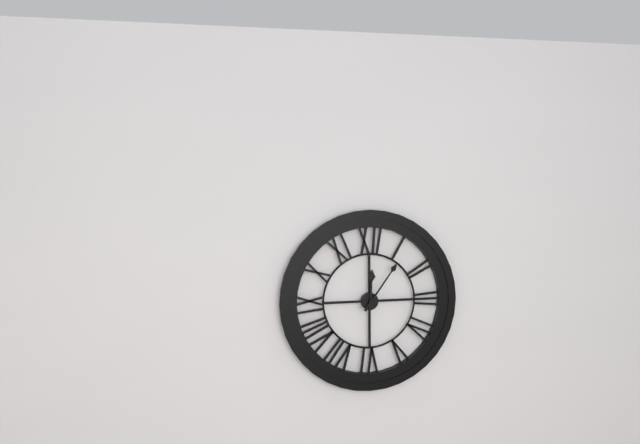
12:06
